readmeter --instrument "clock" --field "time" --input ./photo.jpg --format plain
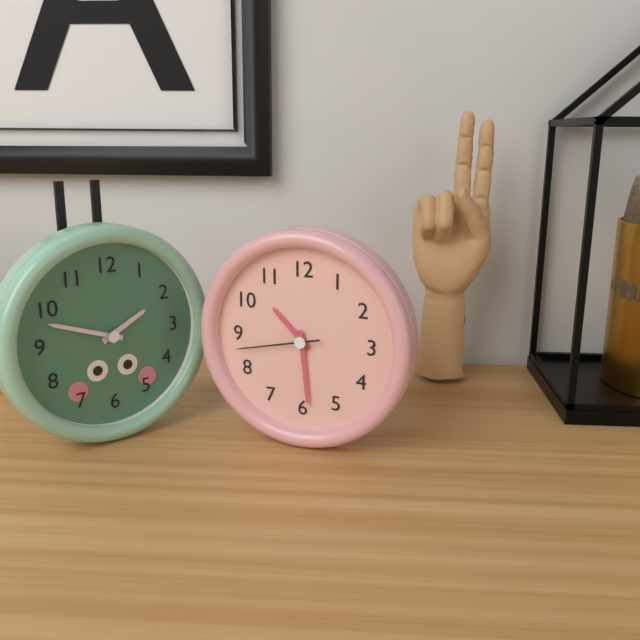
10:29:43
